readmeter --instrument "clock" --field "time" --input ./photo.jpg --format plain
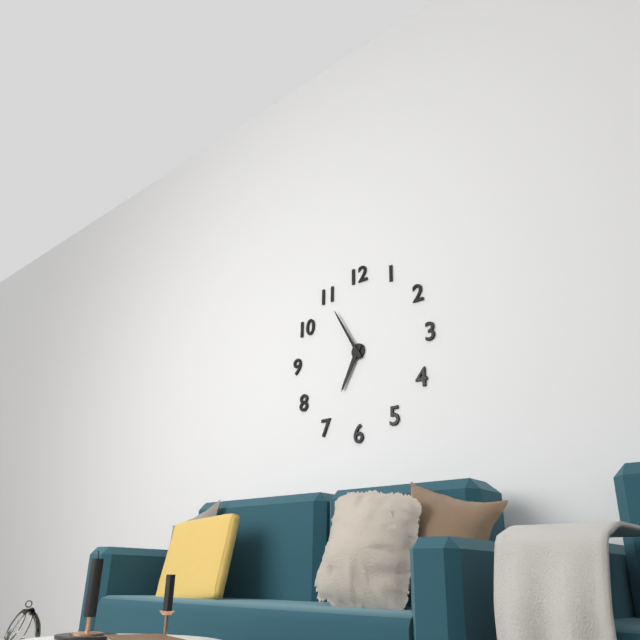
6:55
